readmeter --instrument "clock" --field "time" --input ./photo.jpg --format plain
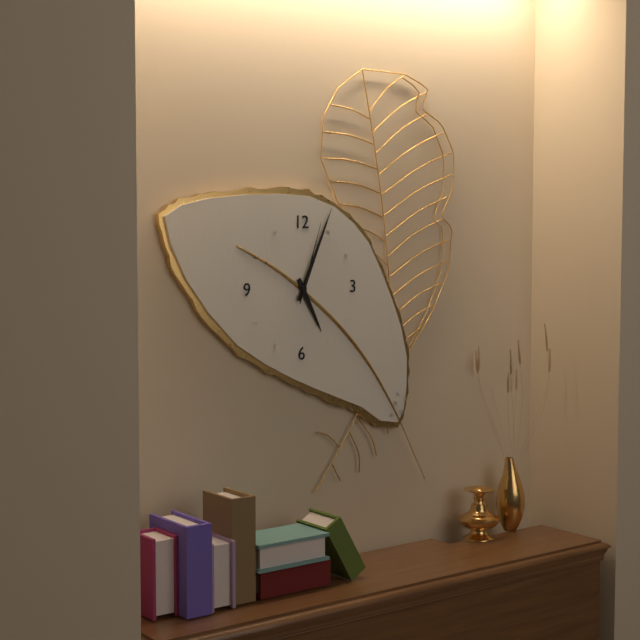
5:04:03
